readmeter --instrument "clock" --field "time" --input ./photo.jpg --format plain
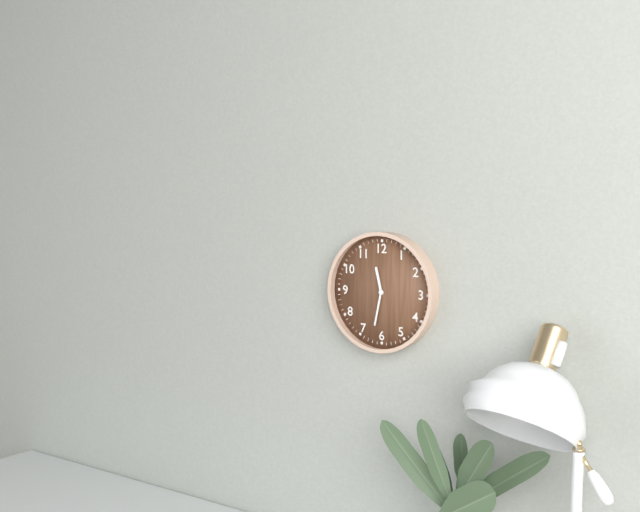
11:32
